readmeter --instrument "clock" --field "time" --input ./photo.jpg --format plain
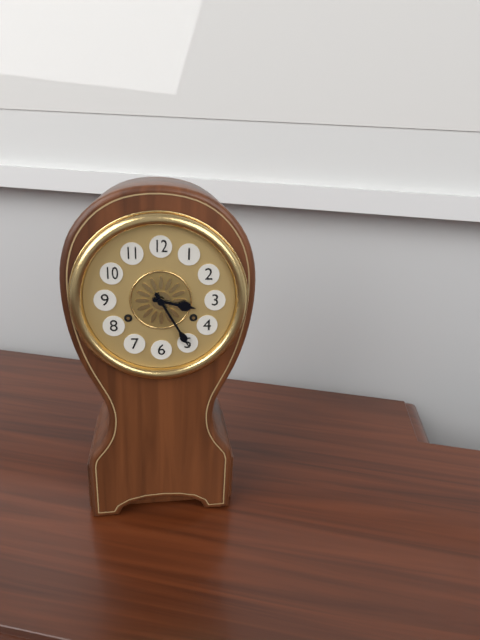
3:25
